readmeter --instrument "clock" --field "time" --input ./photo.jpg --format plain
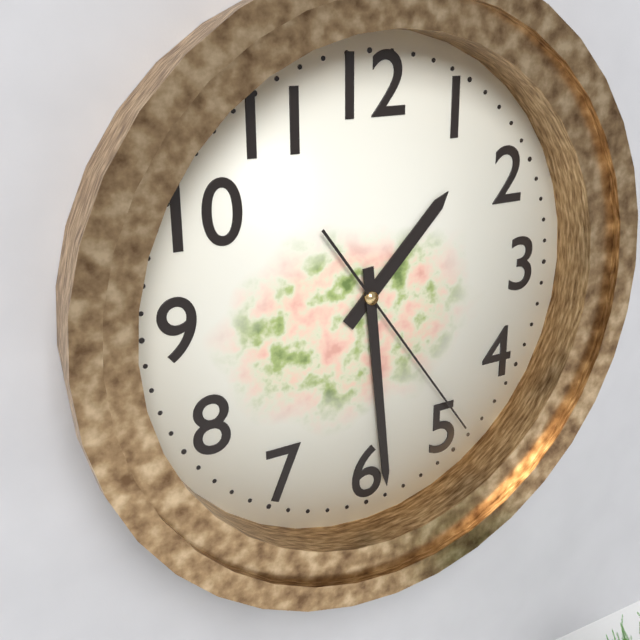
1:29:24
